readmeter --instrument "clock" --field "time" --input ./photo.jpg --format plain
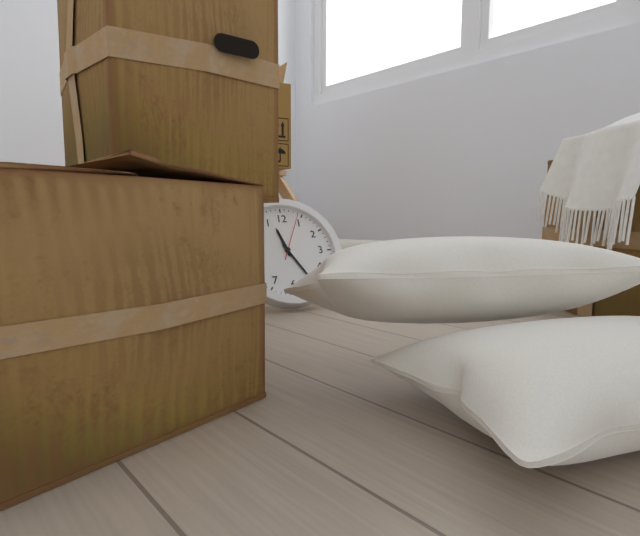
11:25
